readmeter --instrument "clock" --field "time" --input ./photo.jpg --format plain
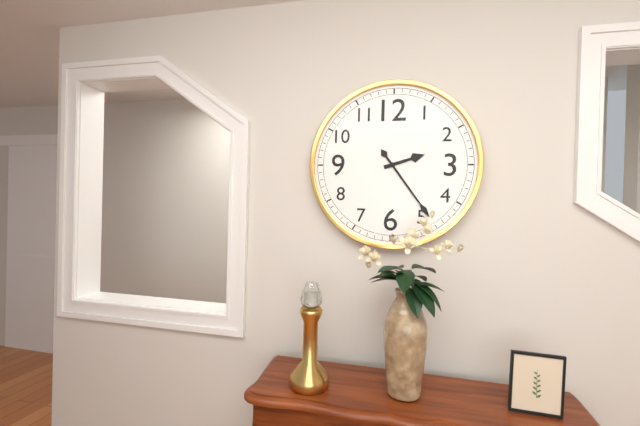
2:24
